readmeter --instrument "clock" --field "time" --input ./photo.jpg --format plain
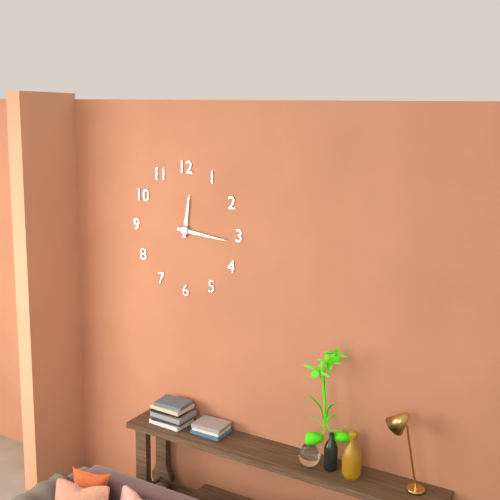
12:16
